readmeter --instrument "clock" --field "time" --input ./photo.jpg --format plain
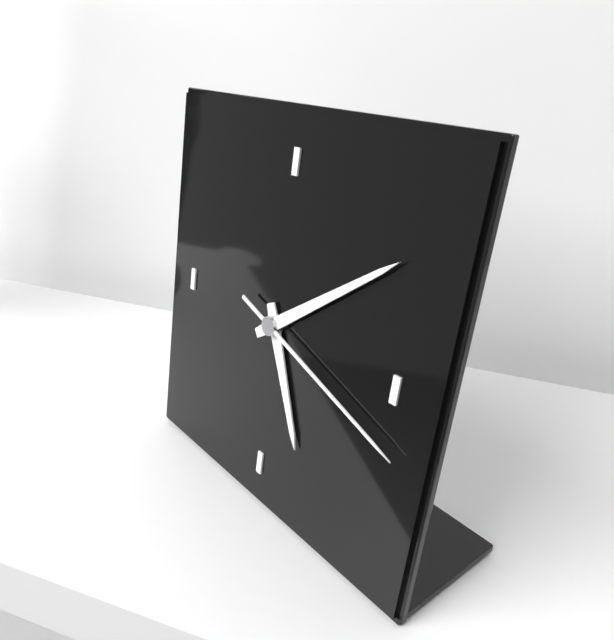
5:09:18
